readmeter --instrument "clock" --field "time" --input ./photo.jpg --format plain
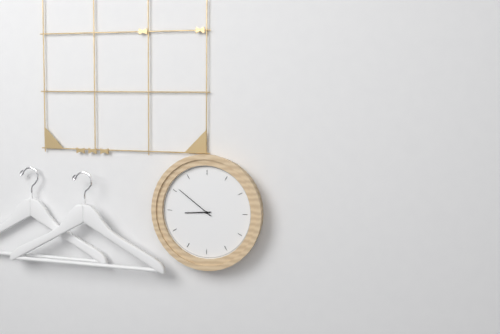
8:51
